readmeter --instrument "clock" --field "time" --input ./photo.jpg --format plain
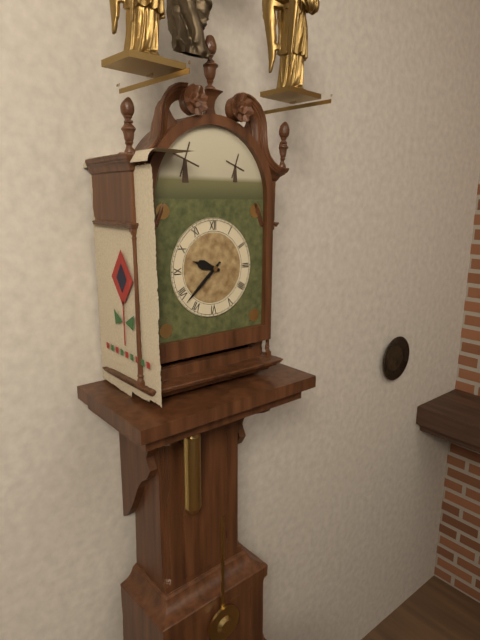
9:38
